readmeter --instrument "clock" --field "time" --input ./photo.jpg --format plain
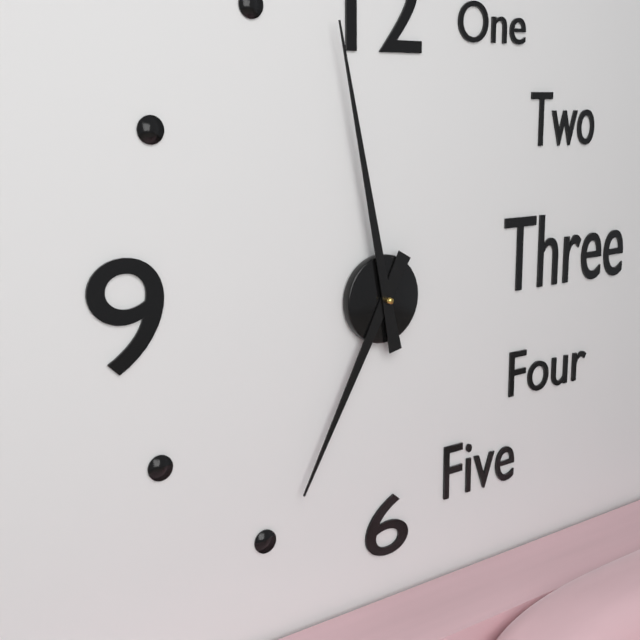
6:58
